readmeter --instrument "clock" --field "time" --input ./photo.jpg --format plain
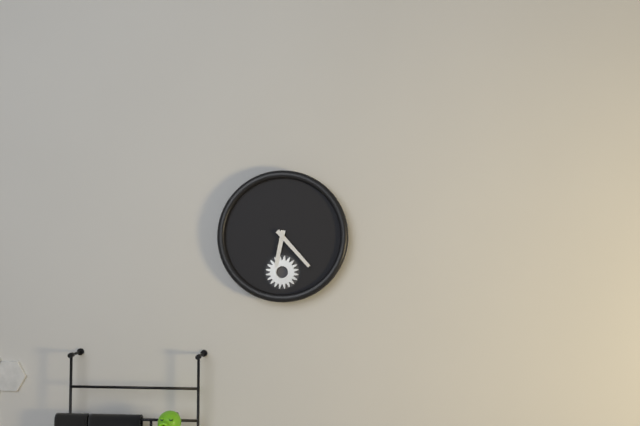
6:23
